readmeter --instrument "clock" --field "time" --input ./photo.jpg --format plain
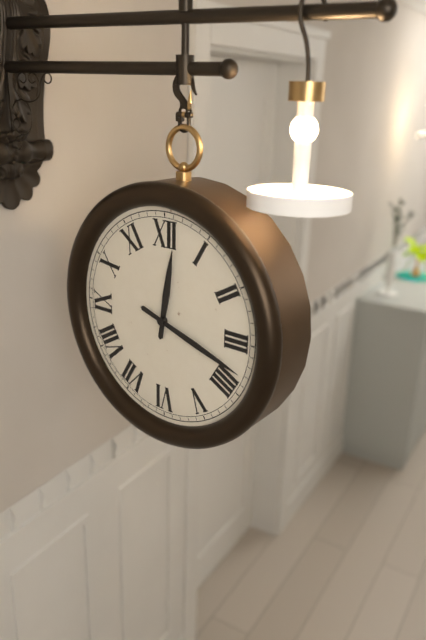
12:18
